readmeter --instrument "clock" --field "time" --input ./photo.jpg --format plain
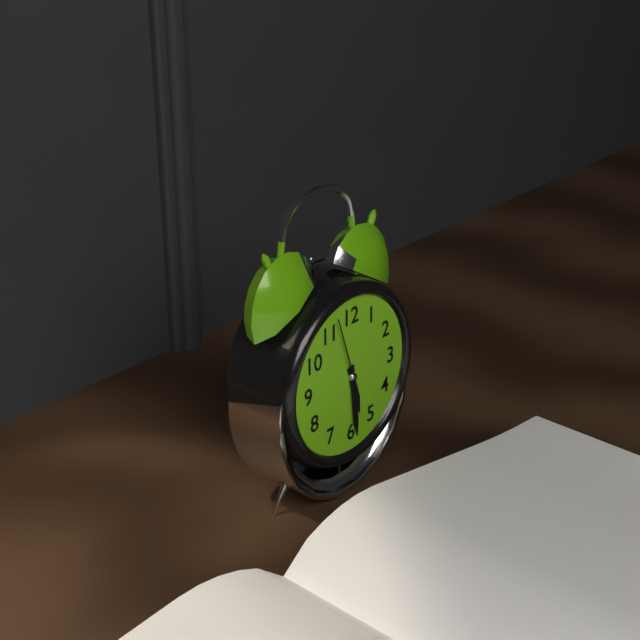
5:29:57
